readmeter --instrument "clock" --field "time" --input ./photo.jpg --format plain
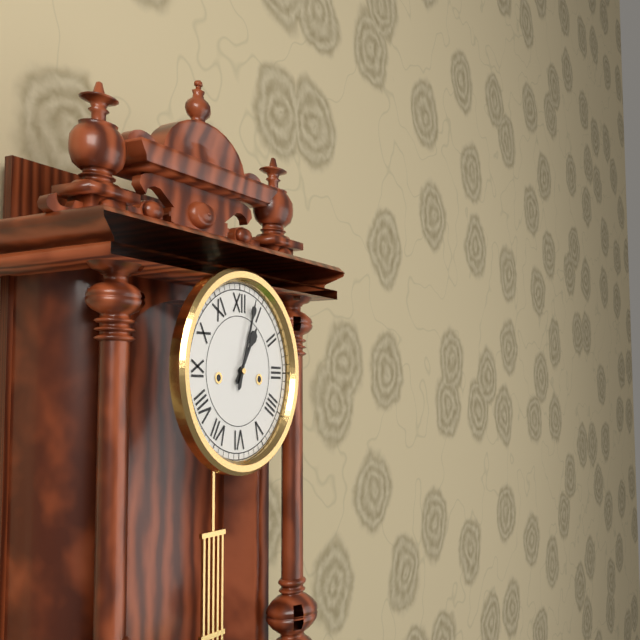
1:03
